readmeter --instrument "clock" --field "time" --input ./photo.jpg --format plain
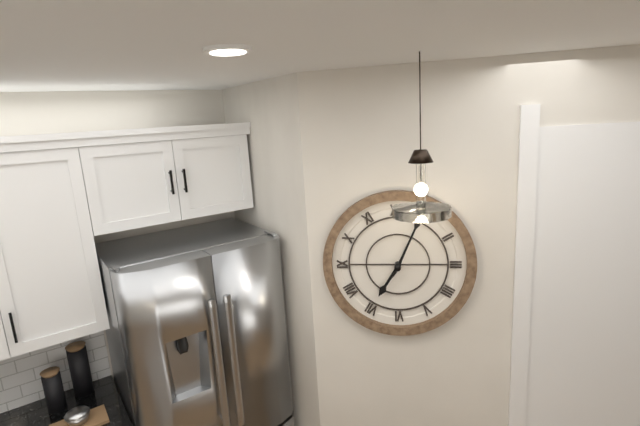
7:04
